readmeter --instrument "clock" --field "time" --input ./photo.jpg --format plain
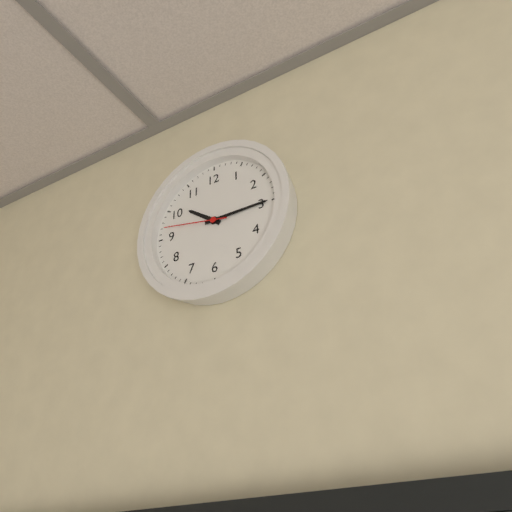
10:15:47
